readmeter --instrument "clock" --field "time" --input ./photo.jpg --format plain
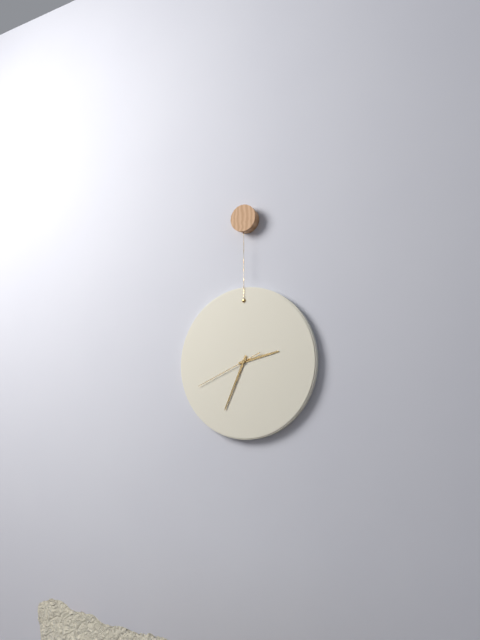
2:34:41
